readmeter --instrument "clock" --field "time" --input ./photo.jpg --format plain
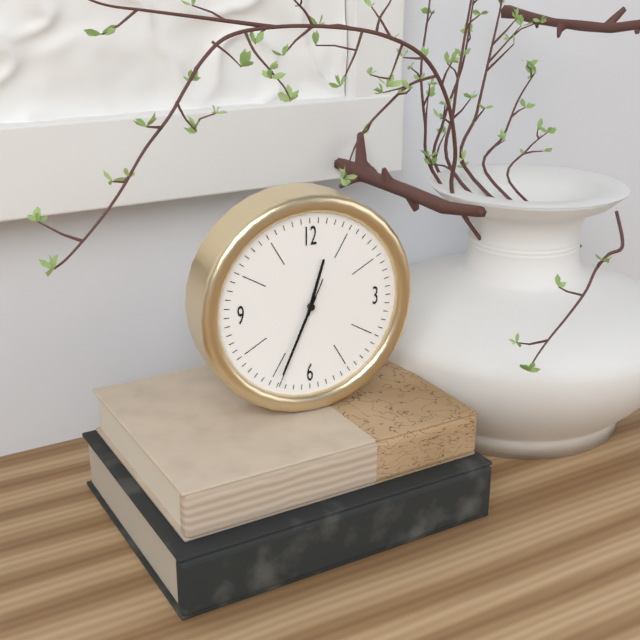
12:34:34
